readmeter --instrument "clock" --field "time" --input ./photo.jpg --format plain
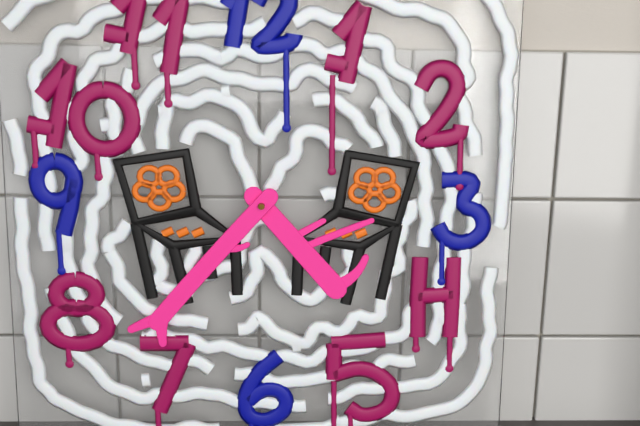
4:37
